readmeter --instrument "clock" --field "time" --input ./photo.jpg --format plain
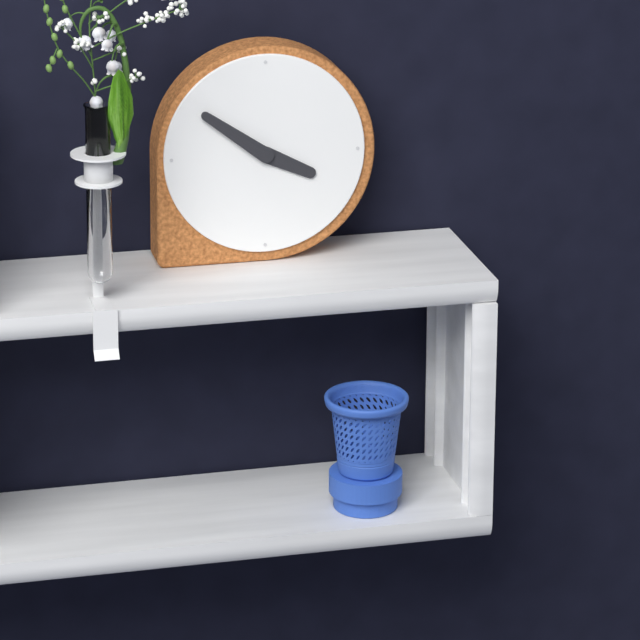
3:51
